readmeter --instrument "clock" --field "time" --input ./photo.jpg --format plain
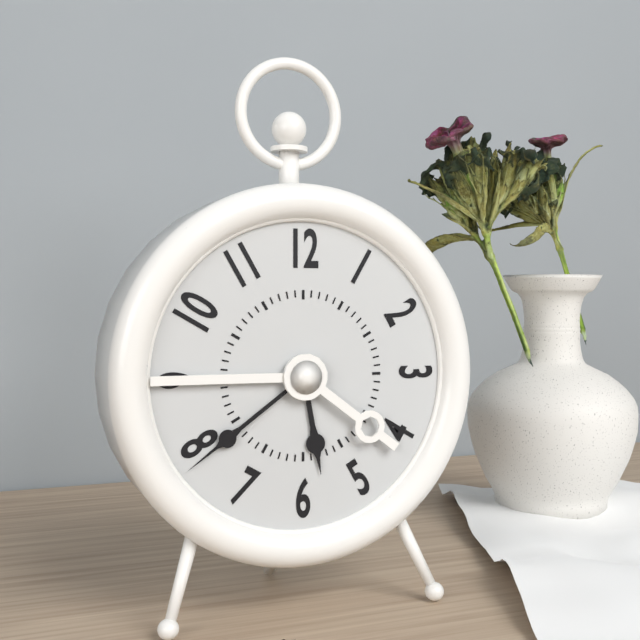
5:39
